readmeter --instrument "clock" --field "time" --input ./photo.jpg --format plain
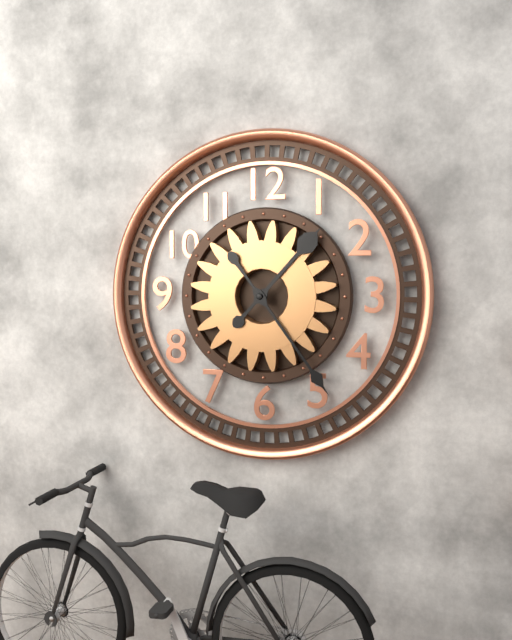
1:24
